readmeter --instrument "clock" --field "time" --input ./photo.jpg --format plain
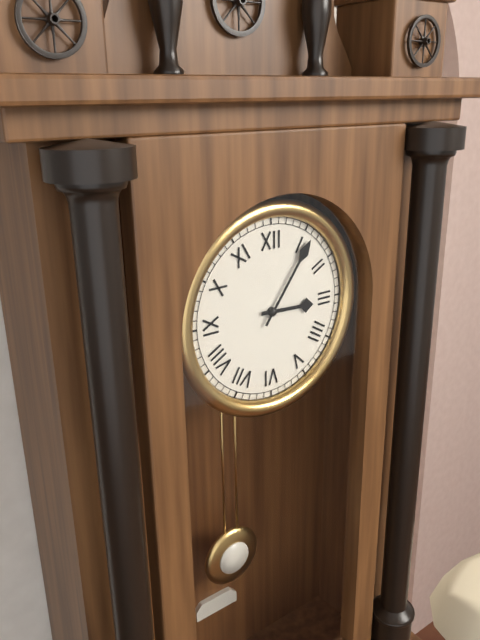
3:06
